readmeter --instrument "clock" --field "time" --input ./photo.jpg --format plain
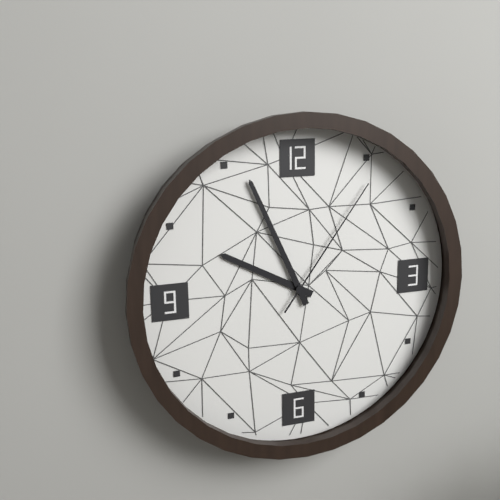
9:56:06
